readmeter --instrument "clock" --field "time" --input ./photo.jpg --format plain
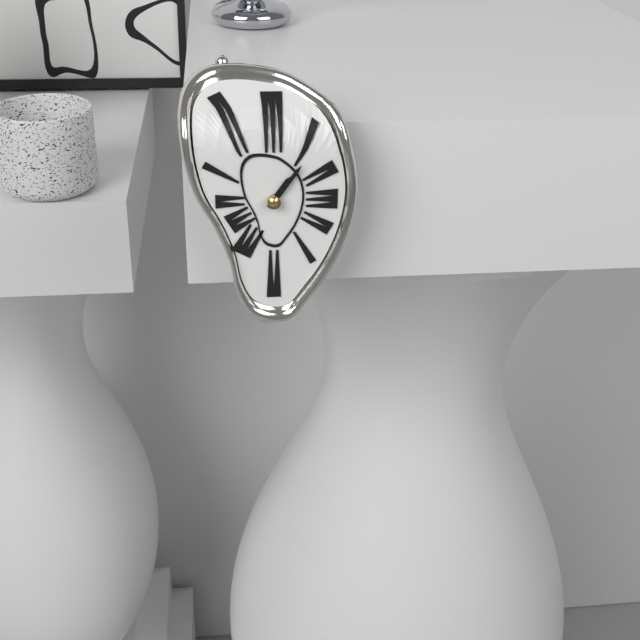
1:06
